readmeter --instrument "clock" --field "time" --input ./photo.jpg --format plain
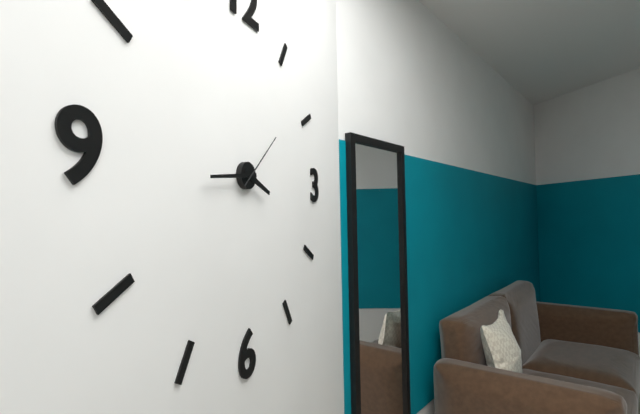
3:44:08
